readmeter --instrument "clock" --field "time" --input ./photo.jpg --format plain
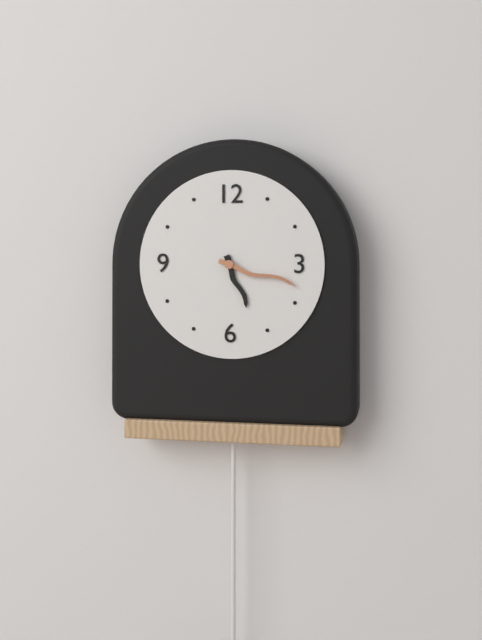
5:18
